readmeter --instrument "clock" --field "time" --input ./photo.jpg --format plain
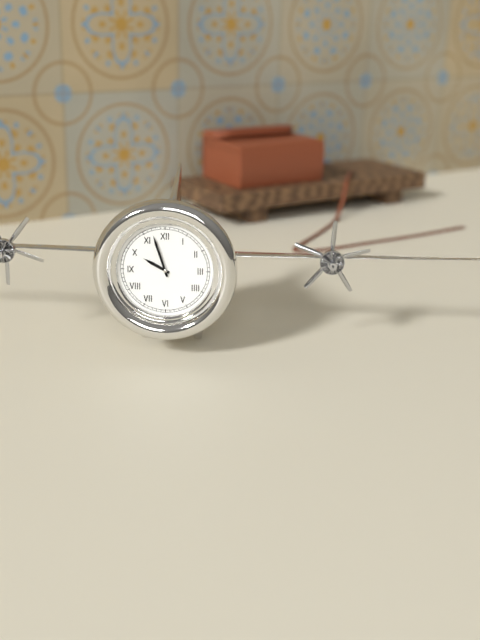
9:57
